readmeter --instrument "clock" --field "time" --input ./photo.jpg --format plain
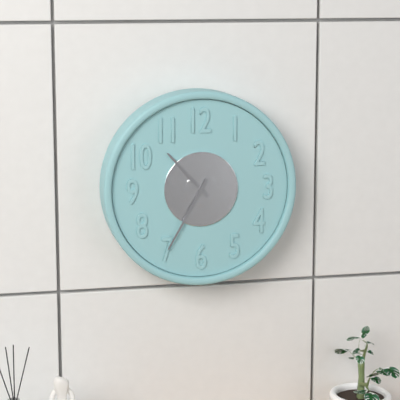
10:35
